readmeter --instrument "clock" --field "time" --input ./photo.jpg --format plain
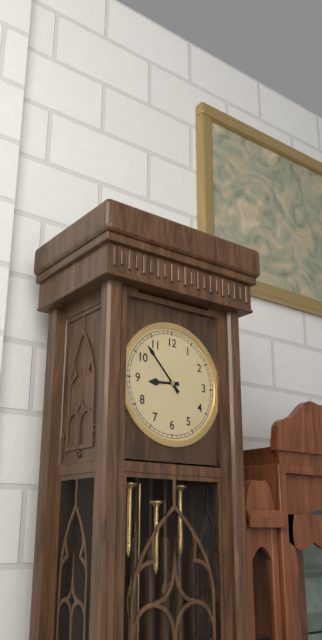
8:53
